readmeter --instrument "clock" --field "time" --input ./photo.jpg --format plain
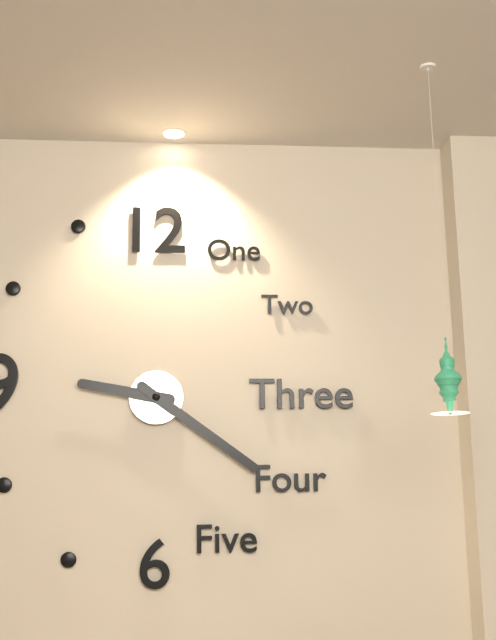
9:21
